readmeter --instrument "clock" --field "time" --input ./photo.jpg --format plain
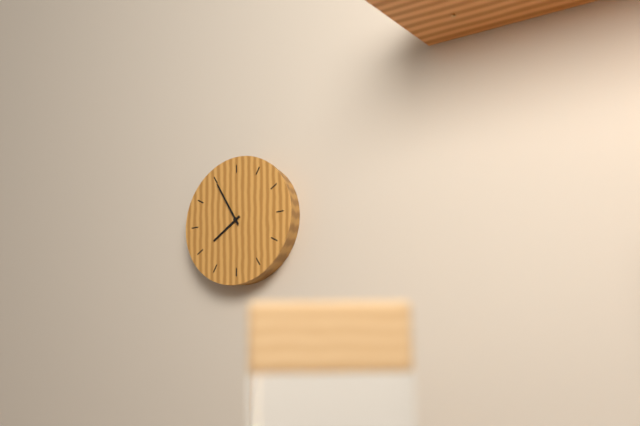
7:55
